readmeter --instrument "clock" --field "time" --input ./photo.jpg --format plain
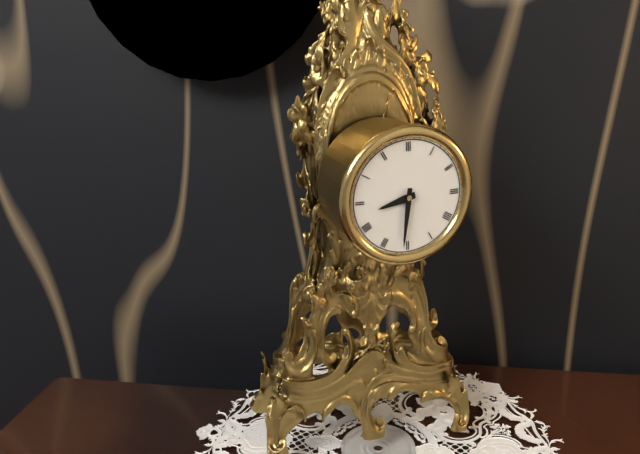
8:31
